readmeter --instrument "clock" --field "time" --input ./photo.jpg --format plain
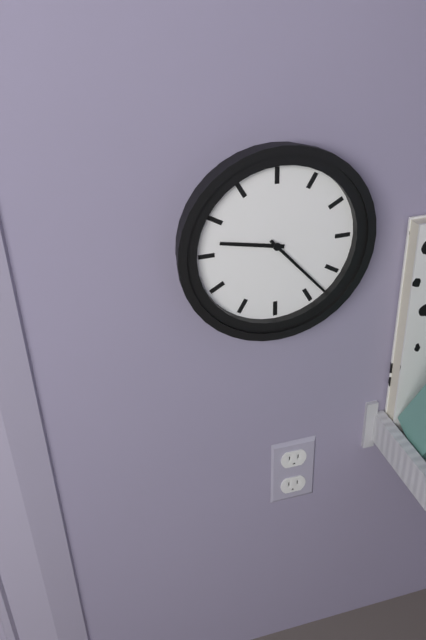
9:23
